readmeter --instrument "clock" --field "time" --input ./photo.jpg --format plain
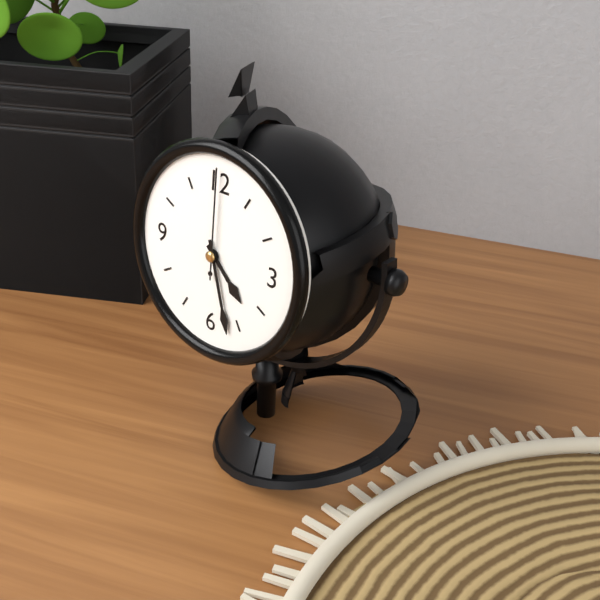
4:27:00
